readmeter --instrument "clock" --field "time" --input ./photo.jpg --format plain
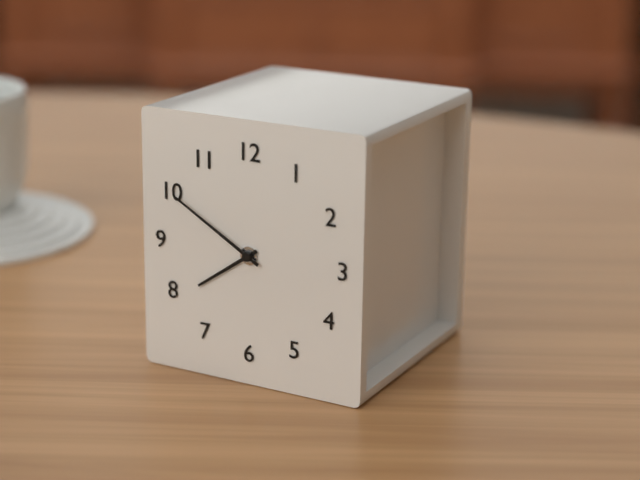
7:50
